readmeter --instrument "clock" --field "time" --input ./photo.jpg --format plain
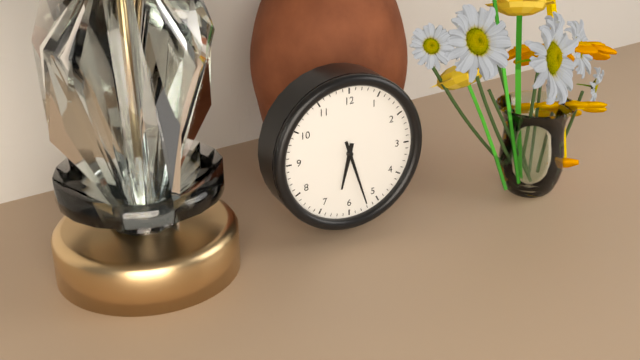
6:27
